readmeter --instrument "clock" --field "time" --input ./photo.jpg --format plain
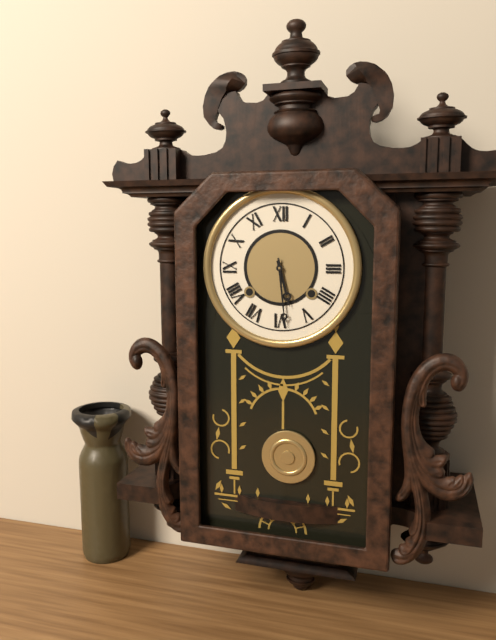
5:29
